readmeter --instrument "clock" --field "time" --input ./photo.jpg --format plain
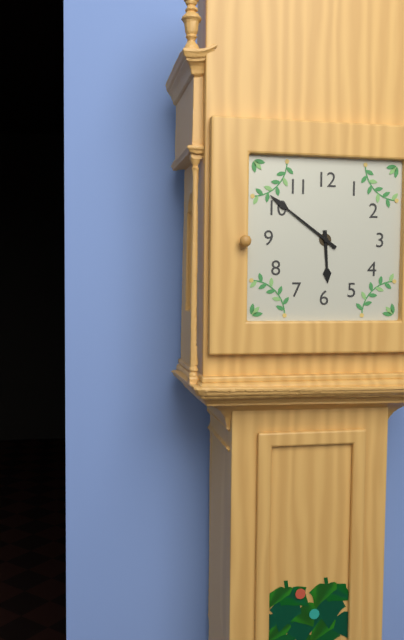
5:51
